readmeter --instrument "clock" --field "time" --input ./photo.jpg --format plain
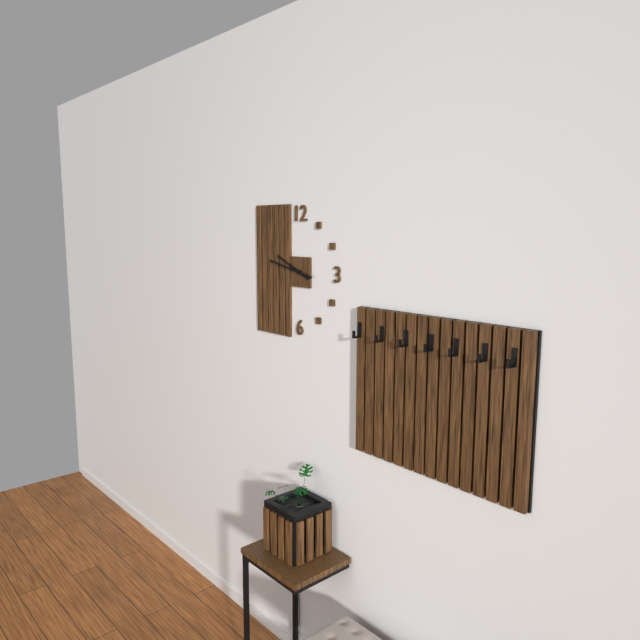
9:47
